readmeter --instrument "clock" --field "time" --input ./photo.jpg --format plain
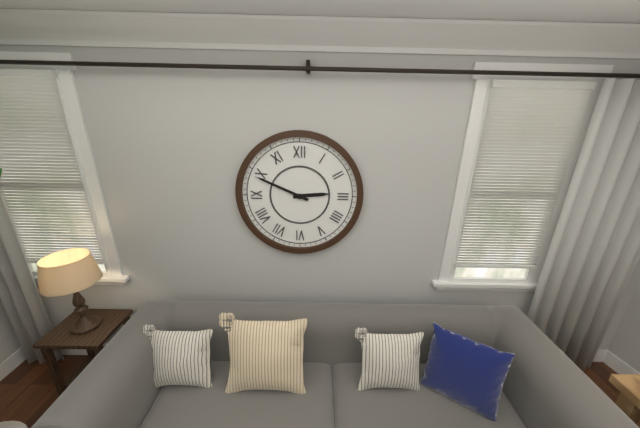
2:49
